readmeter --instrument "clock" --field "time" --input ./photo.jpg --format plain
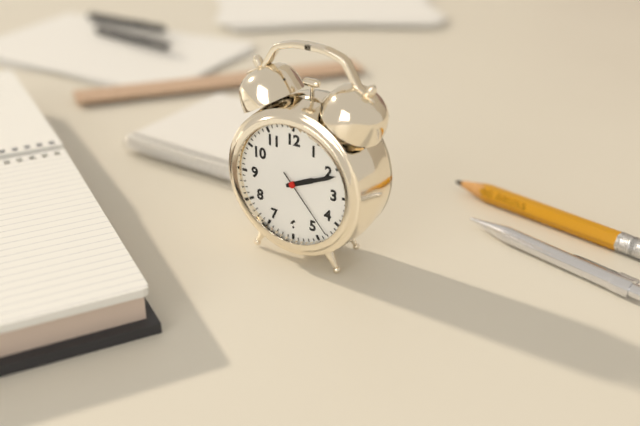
2:11:23
